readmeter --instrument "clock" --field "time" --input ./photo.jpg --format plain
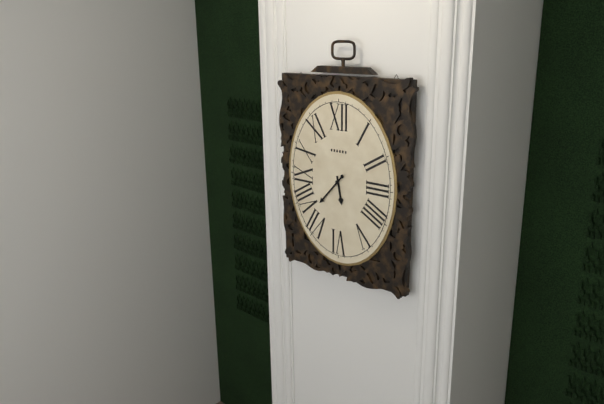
5:37
